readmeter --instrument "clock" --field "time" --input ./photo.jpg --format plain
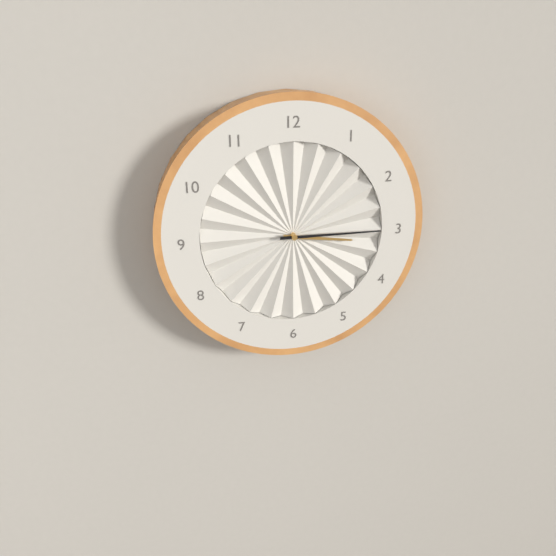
3:15
